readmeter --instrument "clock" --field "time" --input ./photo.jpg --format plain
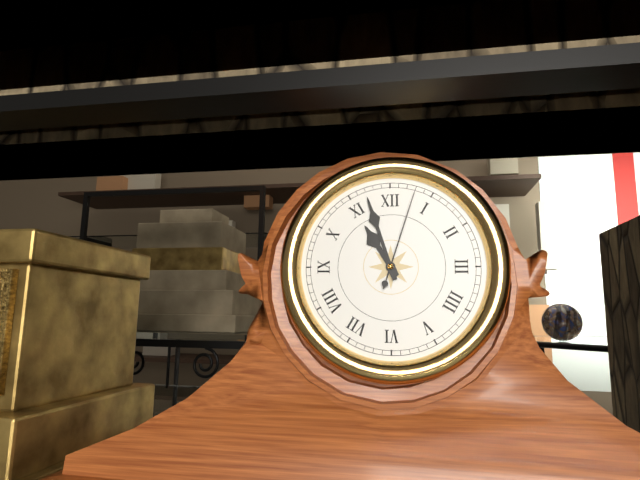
10:57:03
